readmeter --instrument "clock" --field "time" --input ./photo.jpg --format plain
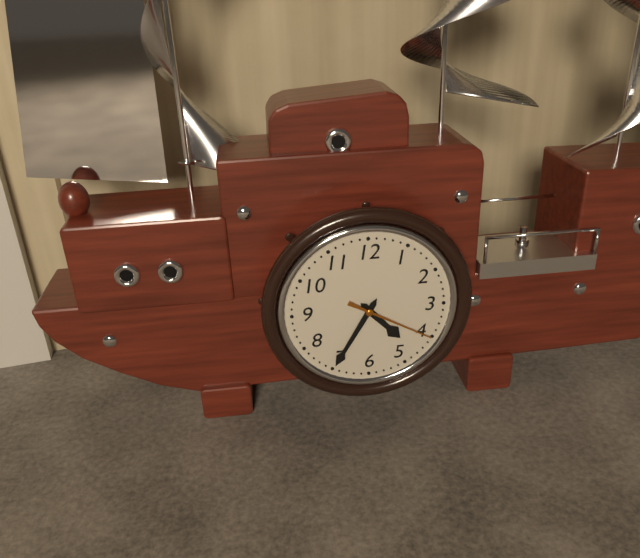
4:35:20
